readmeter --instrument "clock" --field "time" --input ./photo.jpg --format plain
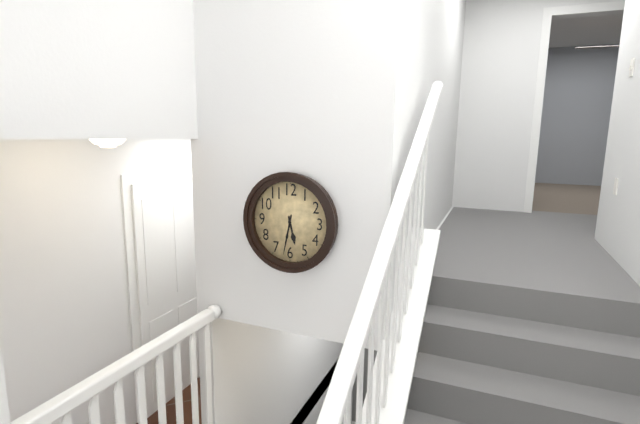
5:32
